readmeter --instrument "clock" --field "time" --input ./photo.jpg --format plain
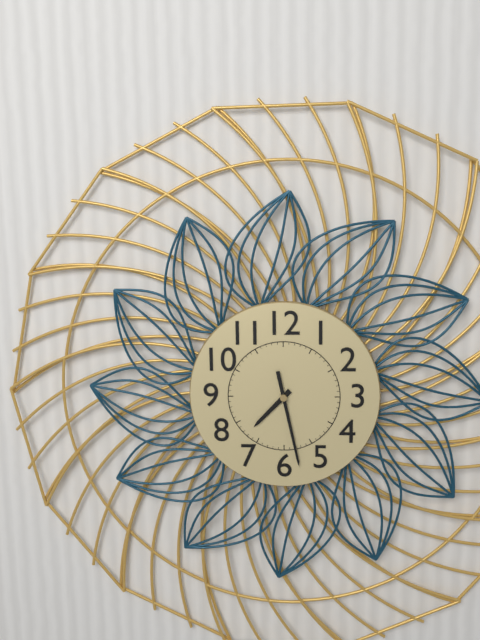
7:28
